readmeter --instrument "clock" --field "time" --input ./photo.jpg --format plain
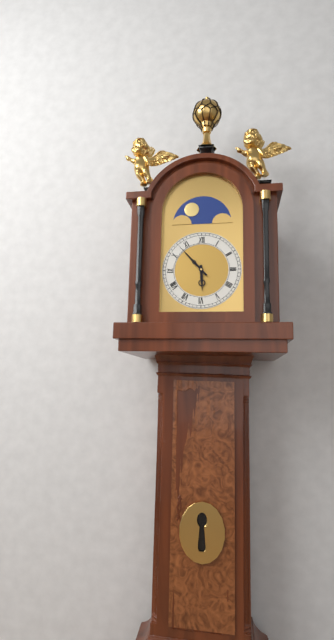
5:53
